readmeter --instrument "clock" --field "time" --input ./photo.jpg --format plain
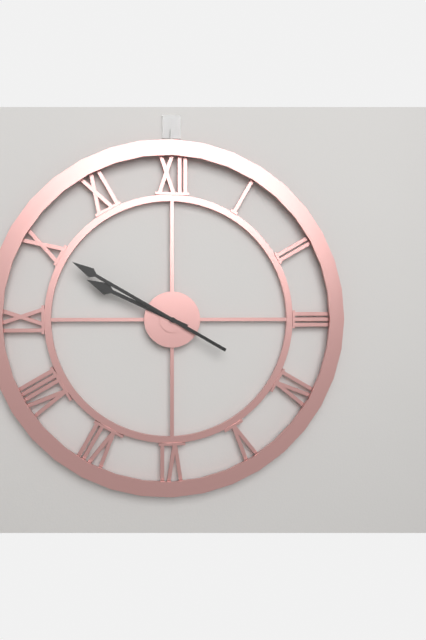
9:50
